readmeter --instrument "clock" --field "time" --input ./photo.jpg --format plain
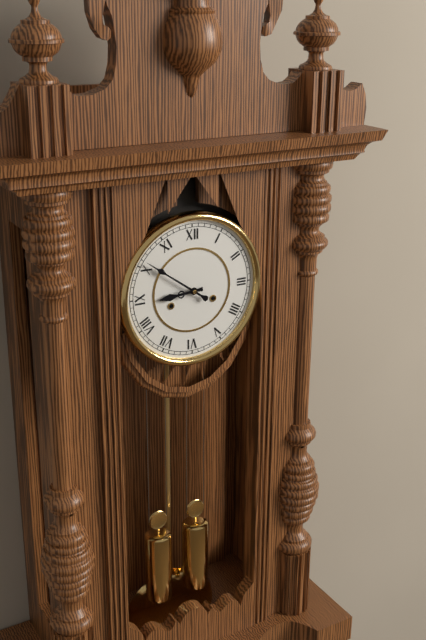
8:51
